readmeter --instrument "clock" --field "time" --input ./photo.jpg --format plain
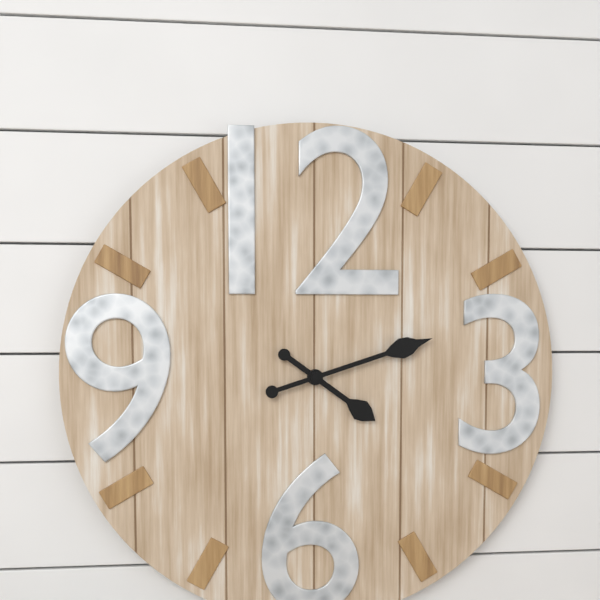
4:12
